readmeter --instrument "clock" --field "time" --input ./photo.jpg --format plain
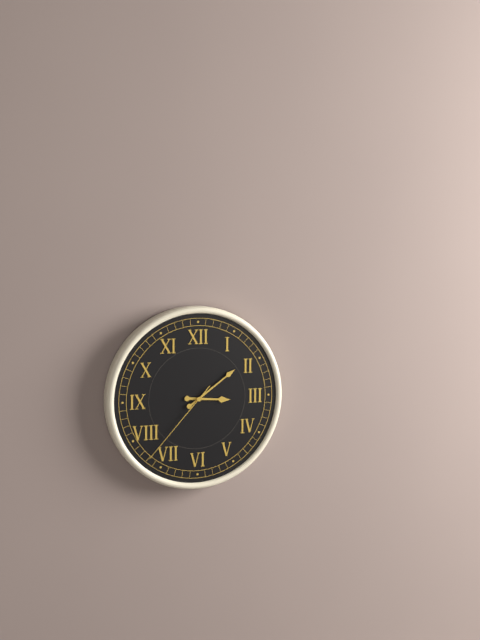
3:09:37
